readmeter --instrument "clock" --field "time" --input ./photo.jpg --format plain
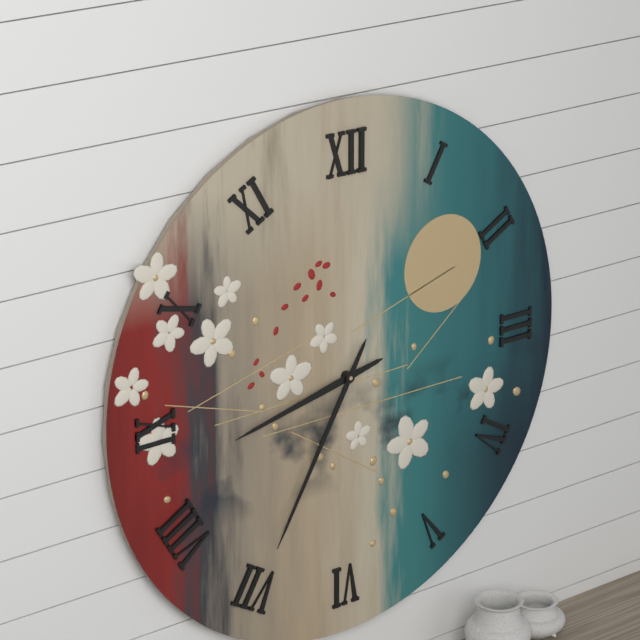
8:35
